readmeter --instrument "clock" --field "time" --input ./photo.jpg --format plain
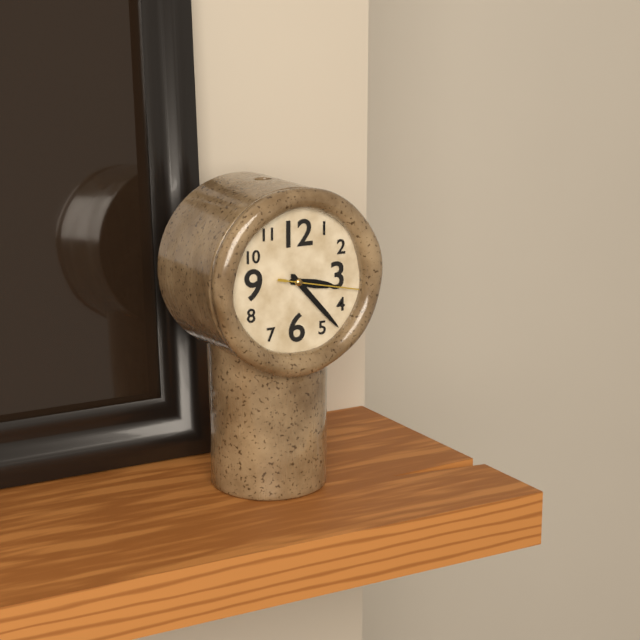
3:23:17
